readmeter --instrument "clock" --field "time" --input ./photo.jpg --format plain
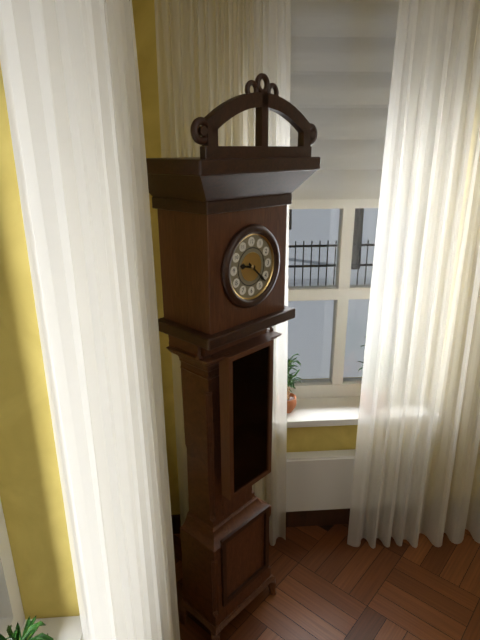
9:22
